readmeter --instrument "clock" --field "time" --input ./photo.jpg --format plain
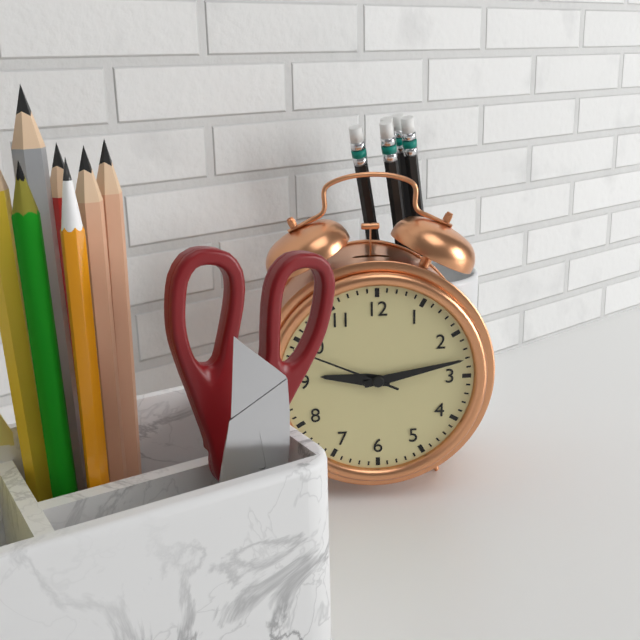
9:13:49
